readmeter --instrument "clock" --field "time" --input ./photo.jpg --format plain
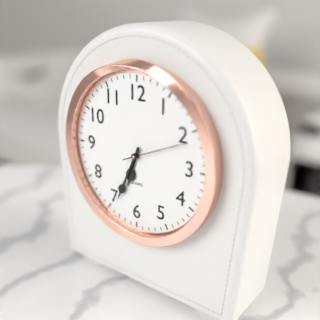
6:34:11
